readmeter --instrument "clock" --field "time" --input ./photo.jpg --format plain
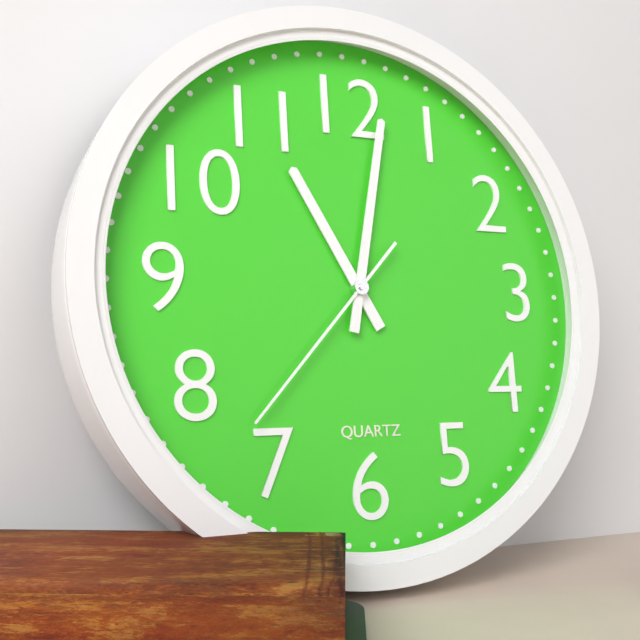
11:02:37
